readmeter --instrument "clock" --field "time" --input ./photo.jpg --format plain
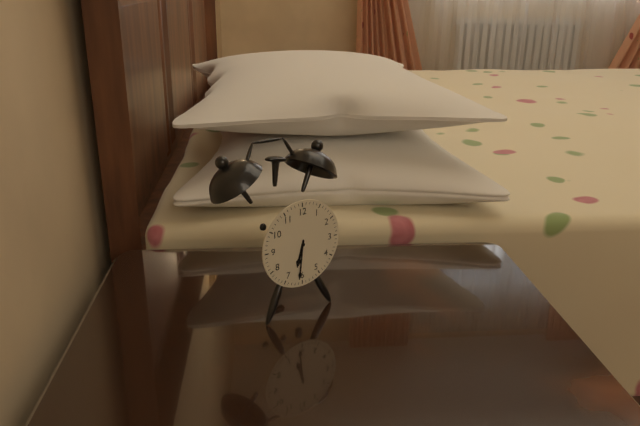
6:31
